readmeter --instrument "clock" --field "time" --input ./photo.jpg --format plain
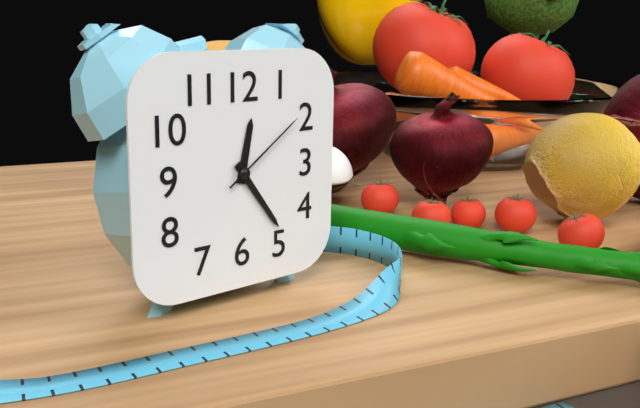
12:24:09
